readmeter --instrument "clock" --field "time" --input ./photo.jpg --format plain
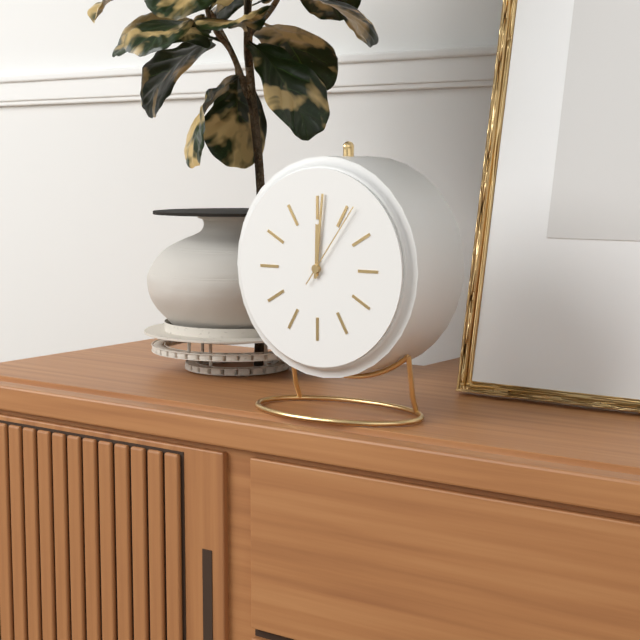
12:01:06
